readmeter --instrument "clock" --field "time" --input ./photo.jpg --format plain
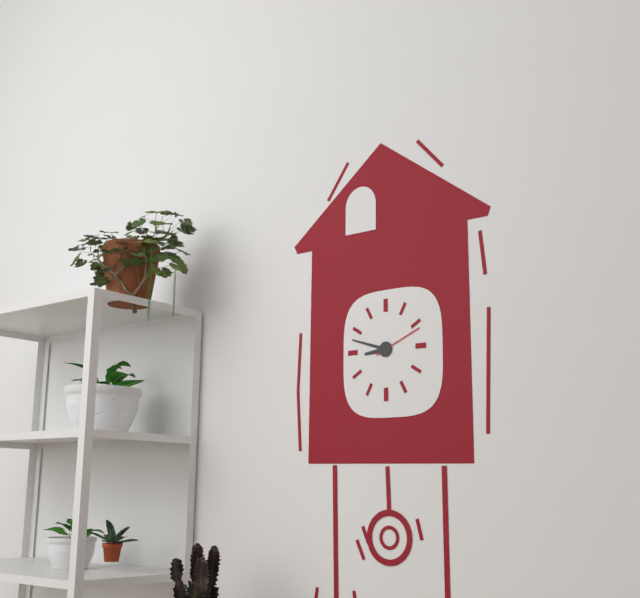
8:48
